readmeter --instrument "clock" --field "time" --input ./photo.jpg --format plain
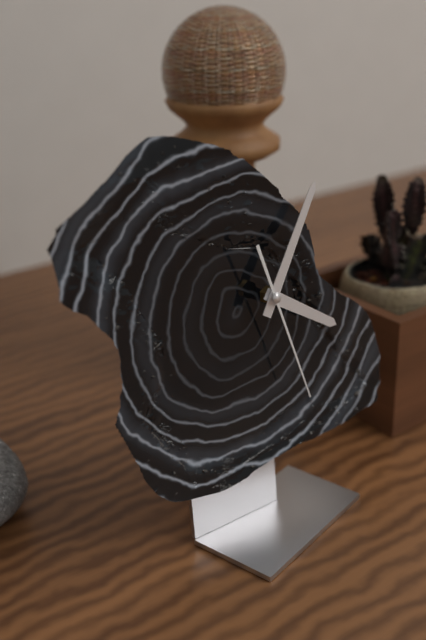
4:05:27
